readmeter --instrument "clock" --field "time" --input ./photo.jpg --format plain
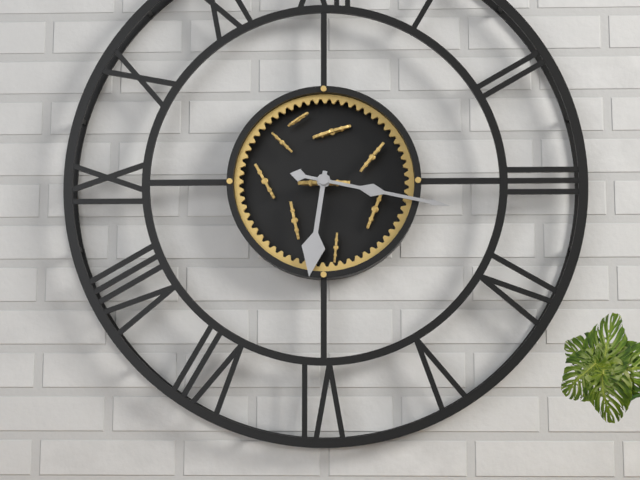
6:17
